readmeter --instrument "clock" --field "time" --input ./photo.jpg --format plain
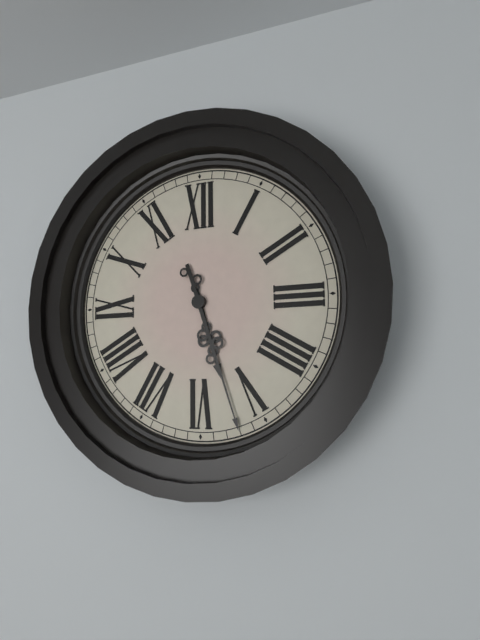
5:27
